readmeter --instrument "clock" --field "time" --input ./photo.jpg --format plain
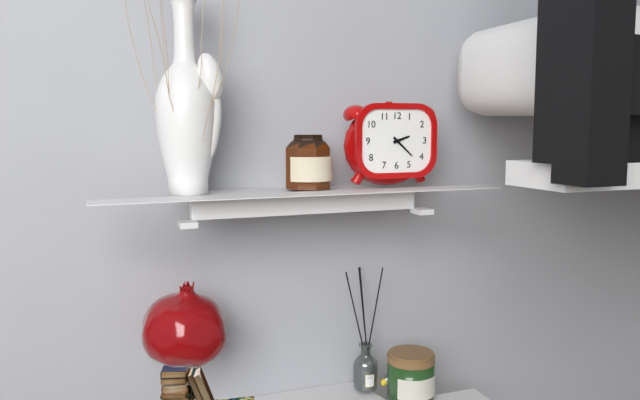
2:22
